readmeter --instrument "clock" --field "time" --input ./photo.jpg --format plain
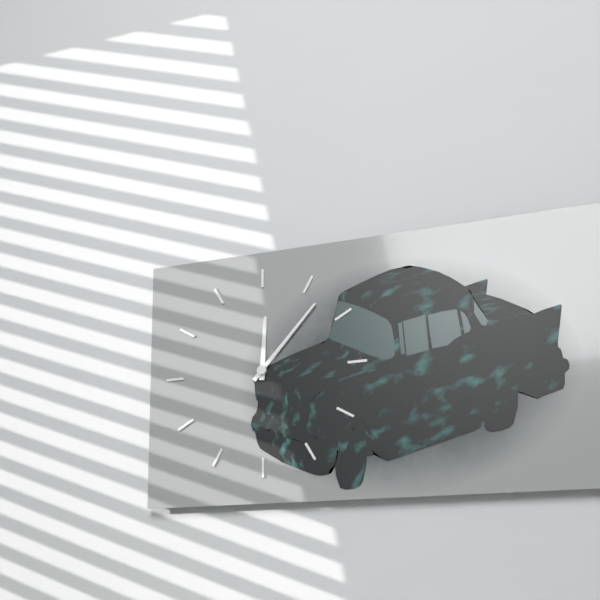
12:07
